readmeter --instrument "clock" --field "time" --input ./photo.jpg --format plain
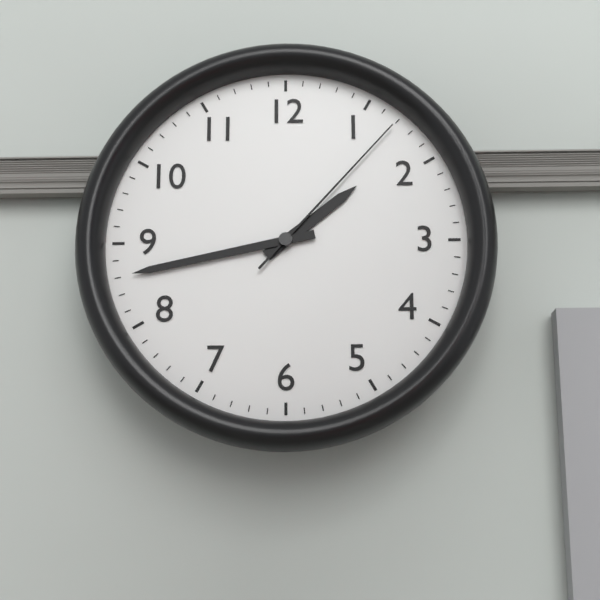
1:43:07
